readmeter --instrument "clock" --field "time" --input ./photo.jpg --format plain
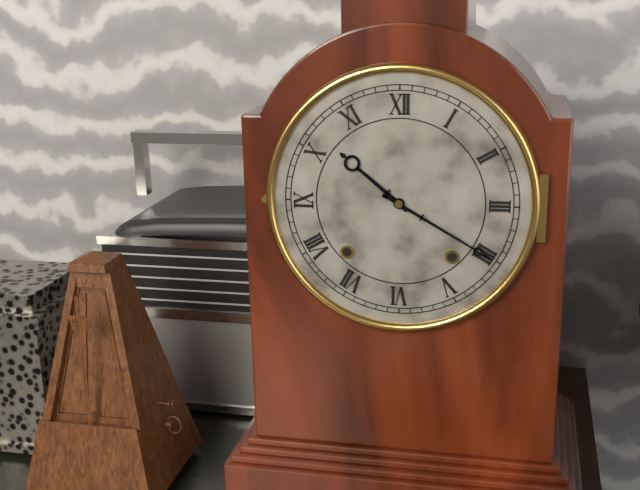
10:20
